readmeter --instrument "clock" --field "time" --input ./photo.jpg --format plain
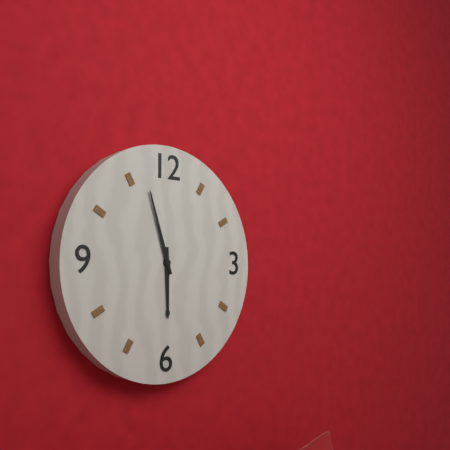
5:57
